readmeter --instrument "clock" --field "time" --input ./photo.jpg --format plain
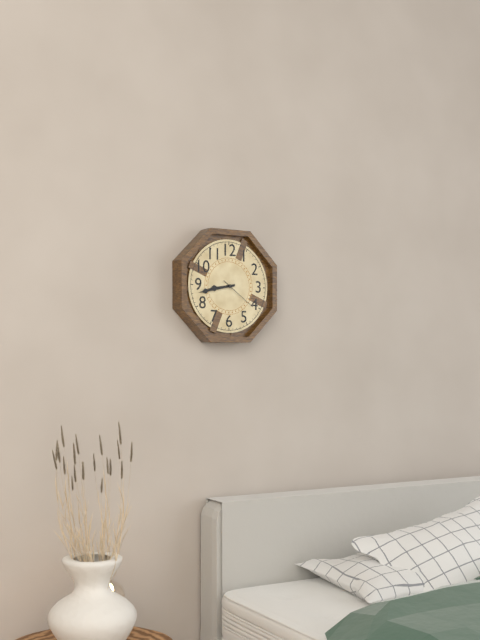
8:43
